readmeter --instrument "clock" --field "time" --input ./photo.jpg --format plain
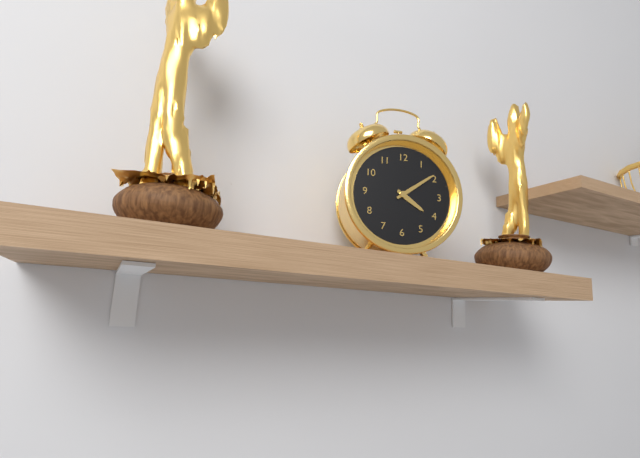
4:09
